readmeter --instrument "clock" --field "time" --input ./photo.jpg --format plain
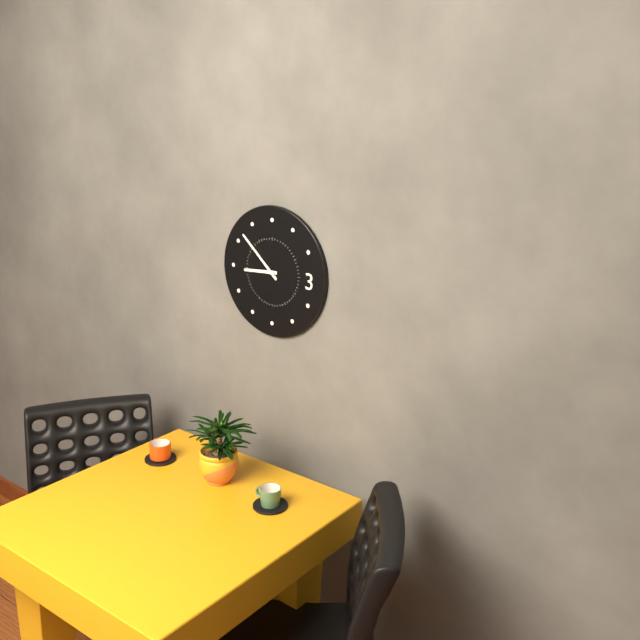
8:52
